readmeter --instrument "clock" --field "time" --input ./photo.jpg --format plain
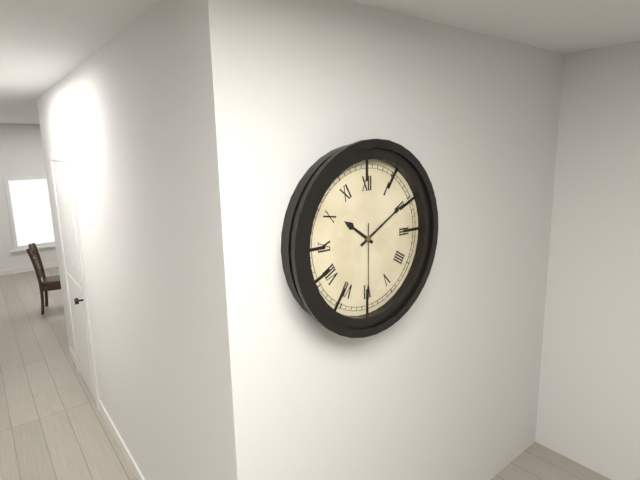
10:10:30
